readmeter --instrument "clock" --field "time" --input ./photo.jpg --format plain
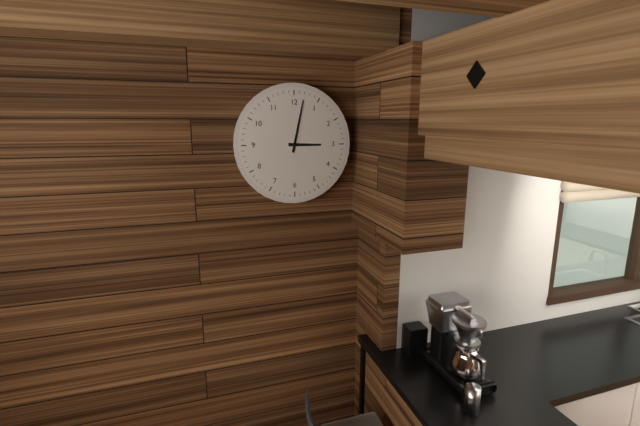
3:02
